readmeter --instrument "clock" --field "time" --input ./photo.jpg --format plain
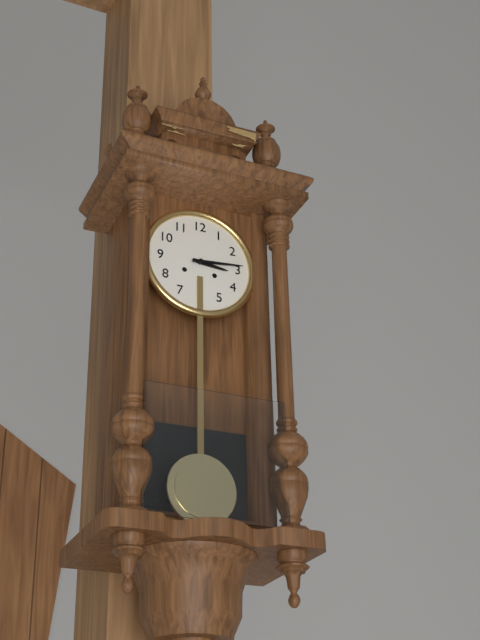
3:14
